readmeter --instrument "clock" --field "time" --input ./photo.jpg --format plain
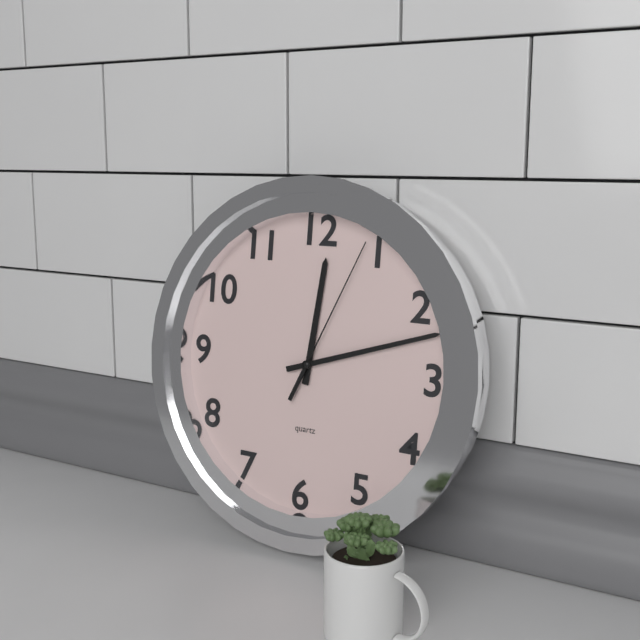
12:12:04
